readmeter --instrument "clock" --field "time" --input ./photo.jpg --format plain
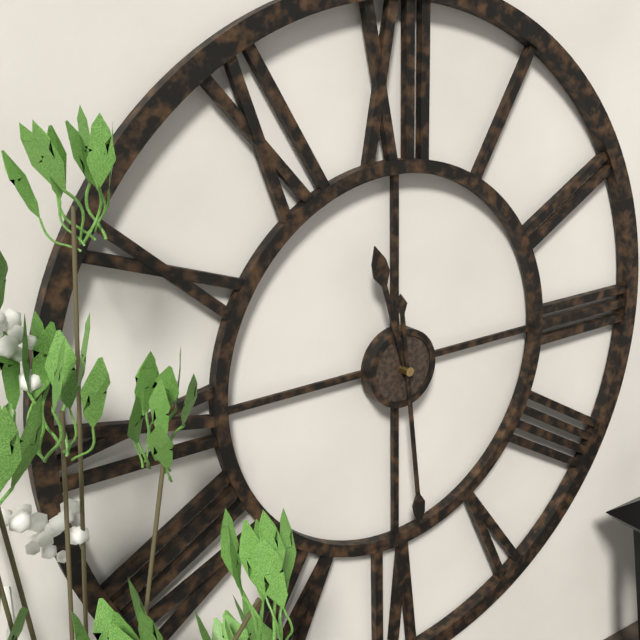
11:29
